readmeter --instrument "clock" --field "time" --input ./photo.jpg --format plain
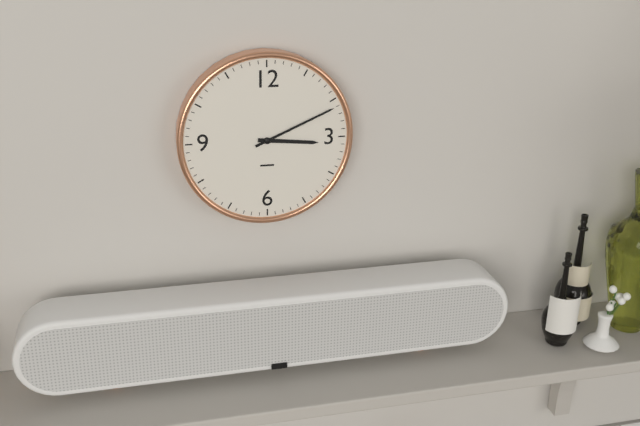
3:11
